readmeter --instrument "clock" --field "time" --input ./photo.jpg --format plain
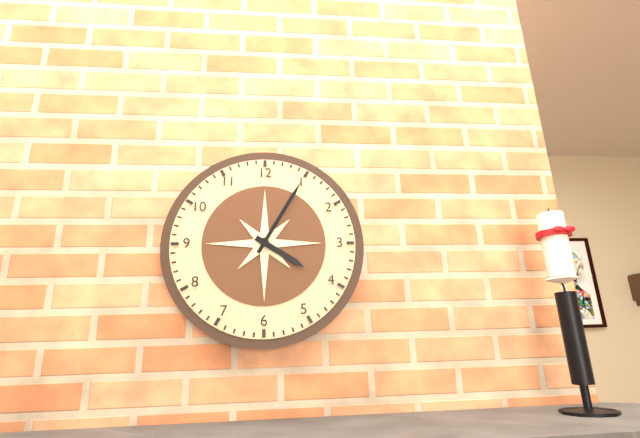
4:05
